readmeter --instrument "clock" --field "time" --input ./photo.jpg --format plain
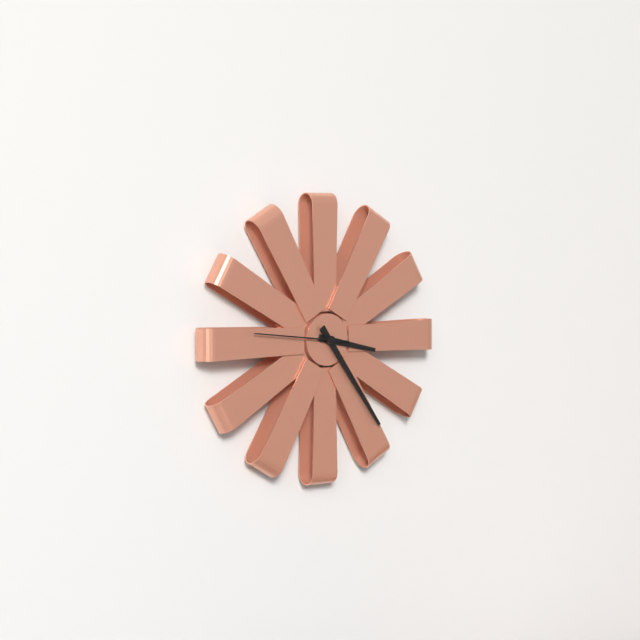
3:24:46
